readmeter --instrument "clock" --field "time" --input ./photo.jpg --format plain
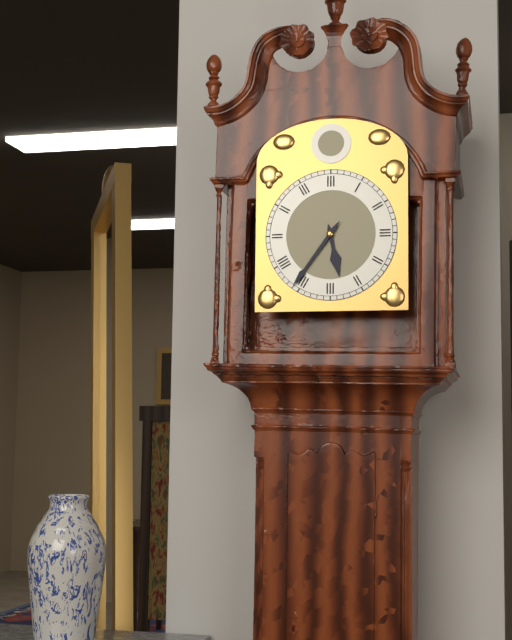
5:36
